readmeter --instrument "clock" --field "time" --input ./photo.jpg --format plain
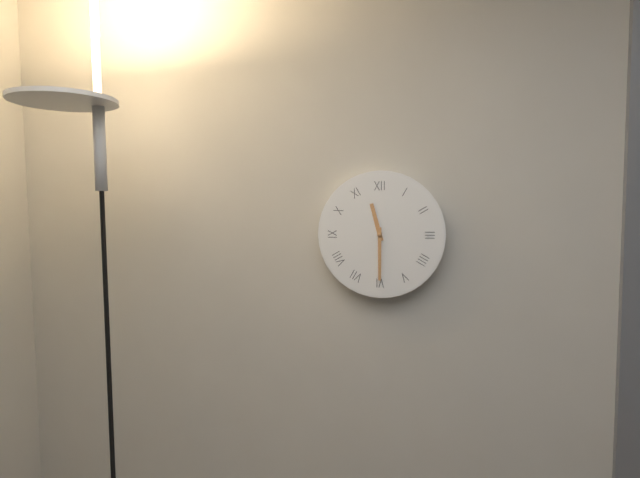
11:30
